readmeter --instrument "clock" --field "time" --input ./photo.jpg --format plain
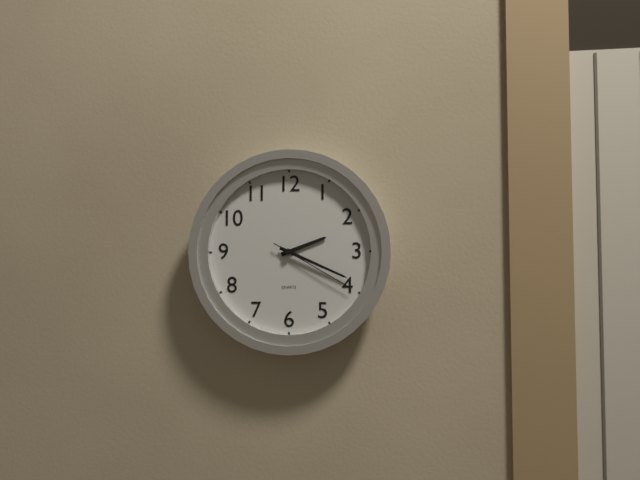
2:19:20
